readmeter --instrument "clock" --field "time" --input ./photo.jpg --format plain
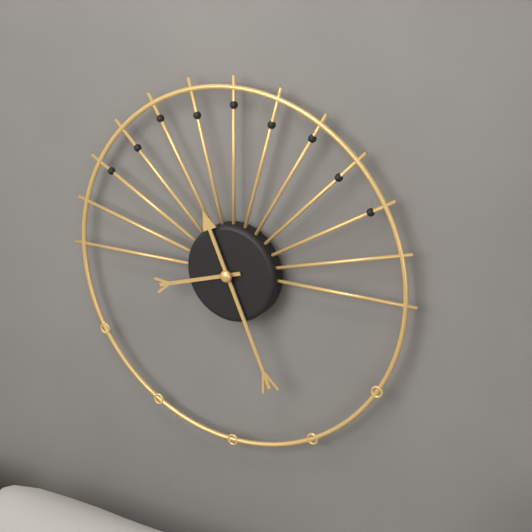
8:26
